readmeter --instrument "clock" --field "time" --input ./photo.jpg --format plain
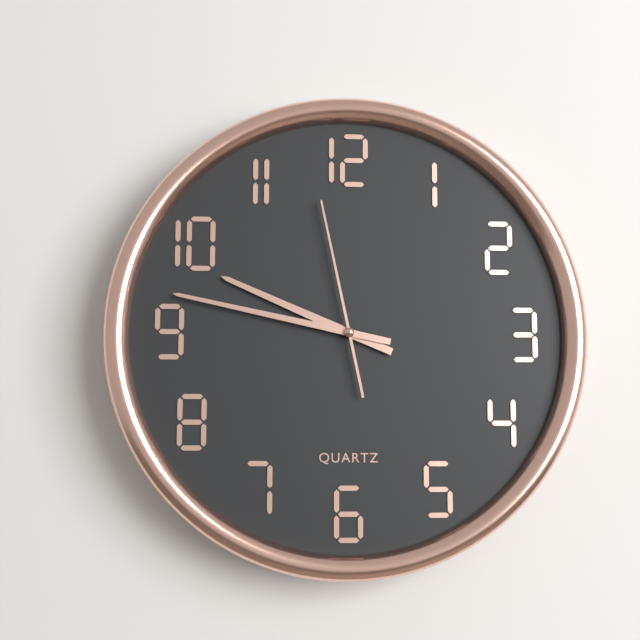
9:47:58
